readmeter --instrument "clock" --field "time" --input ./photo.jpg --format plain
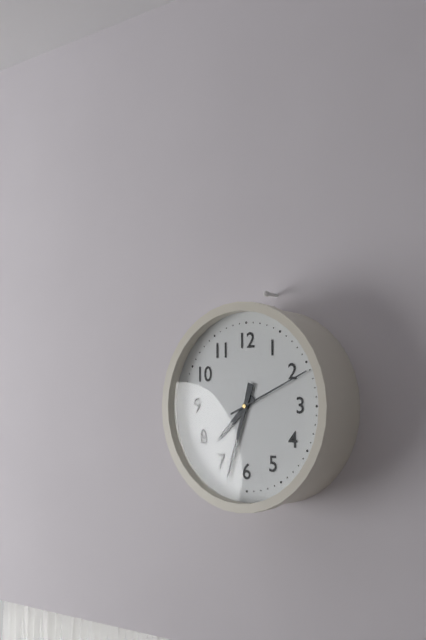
7:33:11
